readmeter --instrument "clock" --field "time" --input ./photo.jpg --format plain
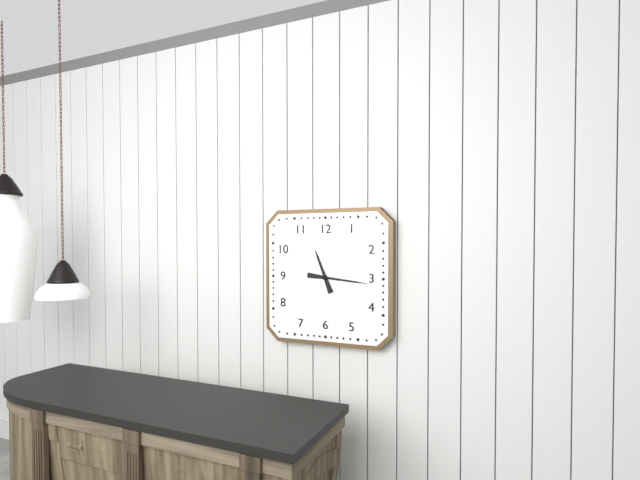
11:16
